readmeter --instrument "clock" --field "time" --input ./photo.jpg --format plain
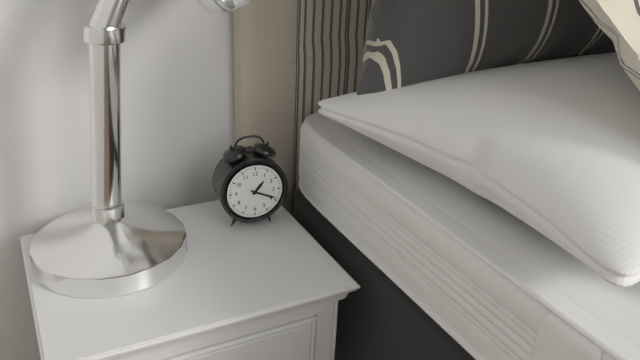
1:19
